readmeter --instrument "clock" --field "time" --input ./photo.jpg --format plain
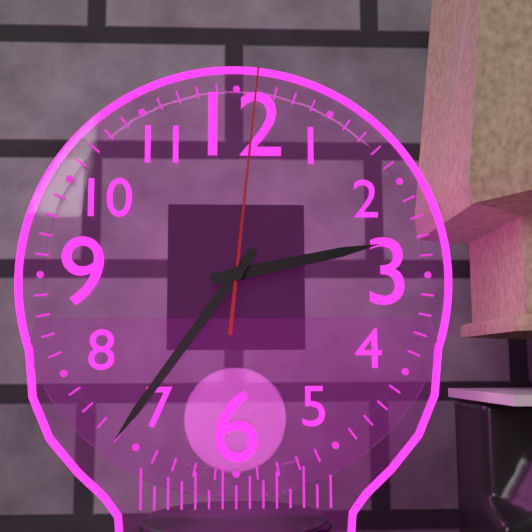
2:36:01
